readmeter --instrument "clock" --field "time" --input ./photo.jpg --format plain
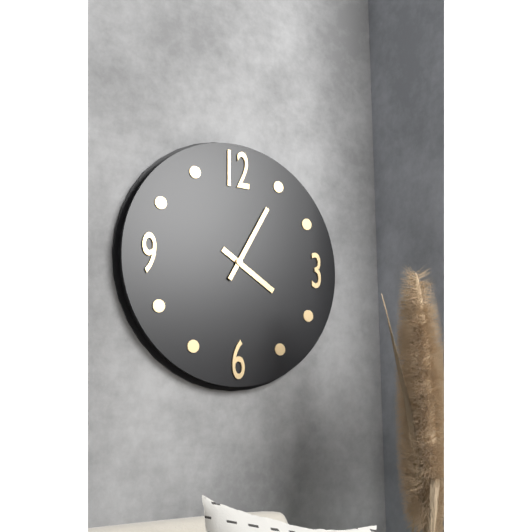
4:05
